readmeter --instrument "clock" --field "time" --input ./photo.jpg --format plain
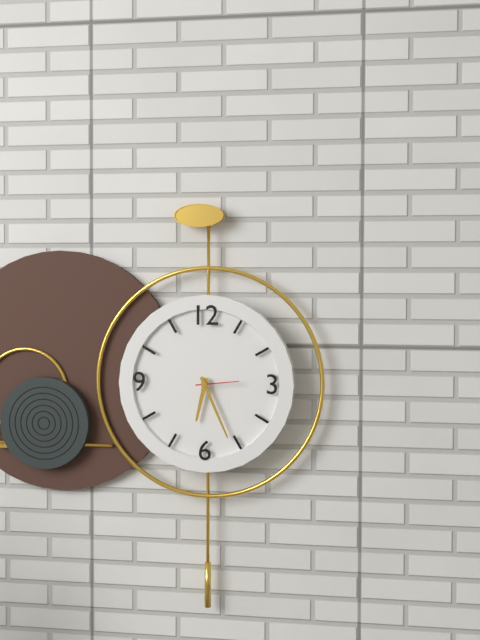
6:26
